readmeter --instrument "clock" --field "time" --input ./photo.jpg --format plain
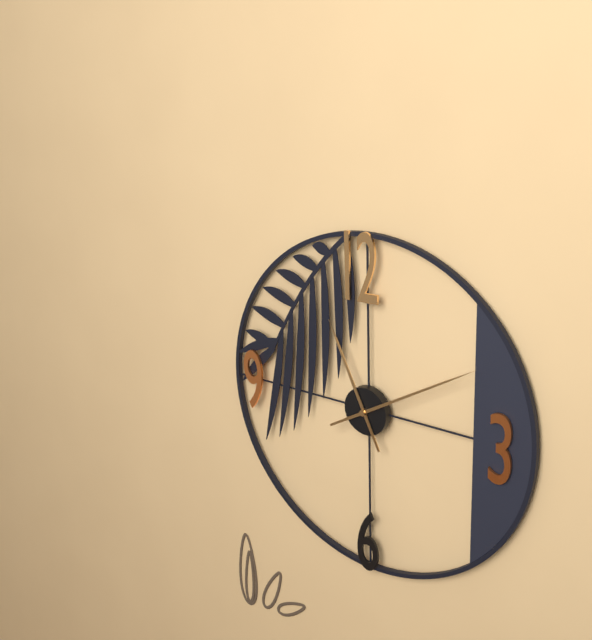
11:10
